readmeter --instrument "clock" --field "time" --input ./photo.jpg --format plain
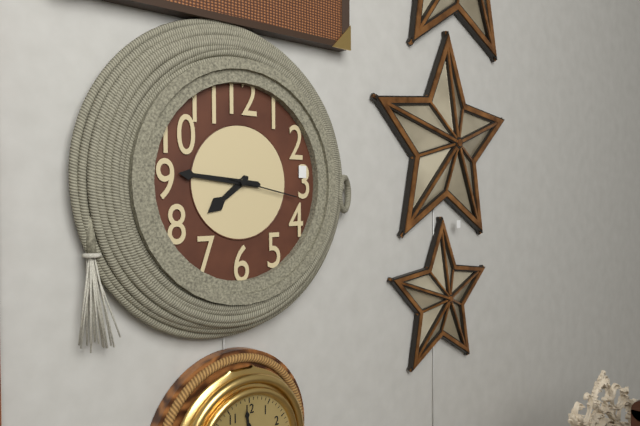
7:46:17
